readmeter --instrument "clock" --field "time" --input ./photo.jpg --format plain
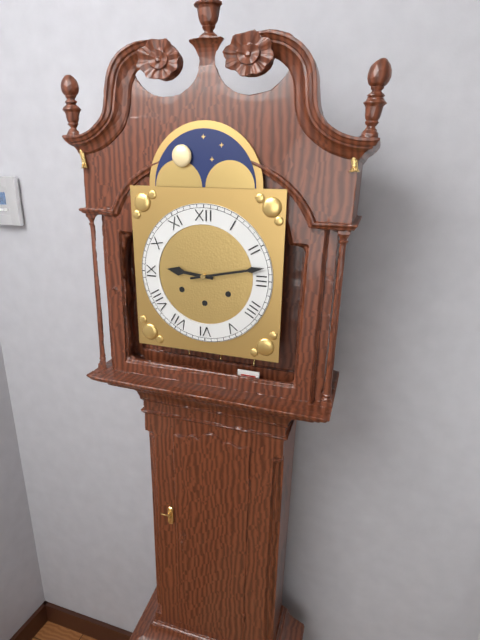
9:13
